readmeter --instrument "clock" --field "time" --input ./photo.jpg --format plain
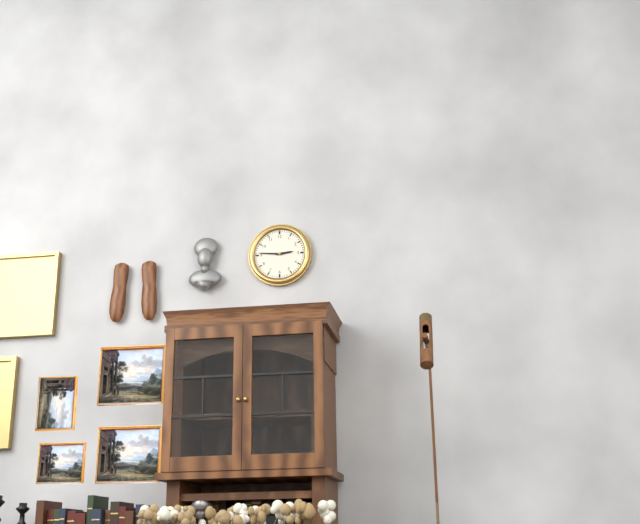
2:46
